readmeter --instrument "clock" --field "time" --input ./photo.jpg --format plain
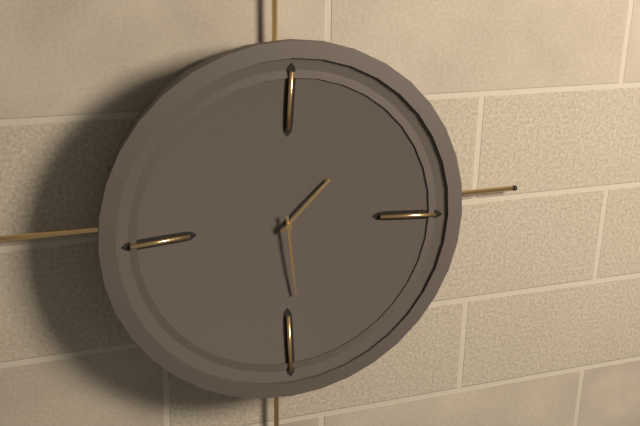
1:29
